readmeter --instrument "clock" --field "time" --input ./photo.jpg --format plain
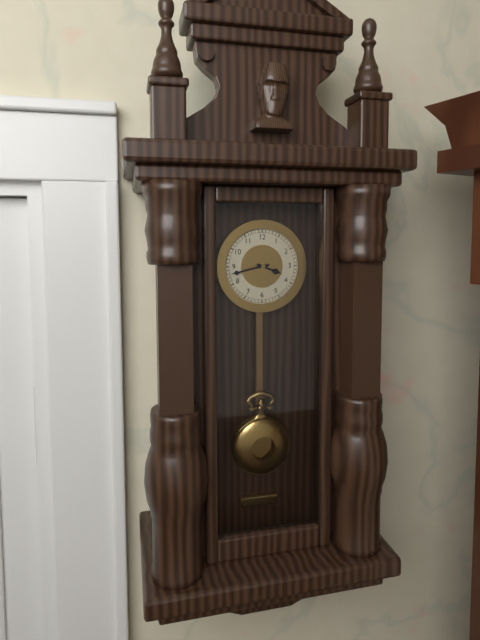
3:43
